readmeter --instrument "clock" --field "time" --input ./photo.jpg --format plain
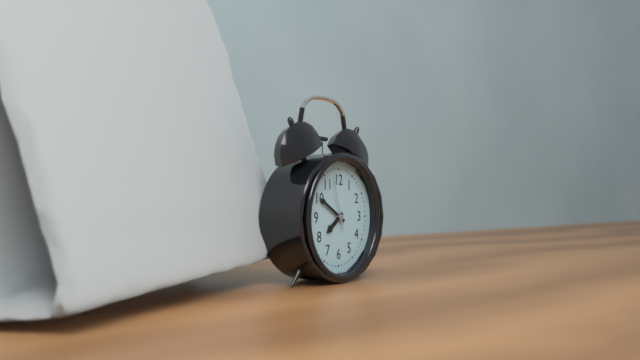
7:50:57
